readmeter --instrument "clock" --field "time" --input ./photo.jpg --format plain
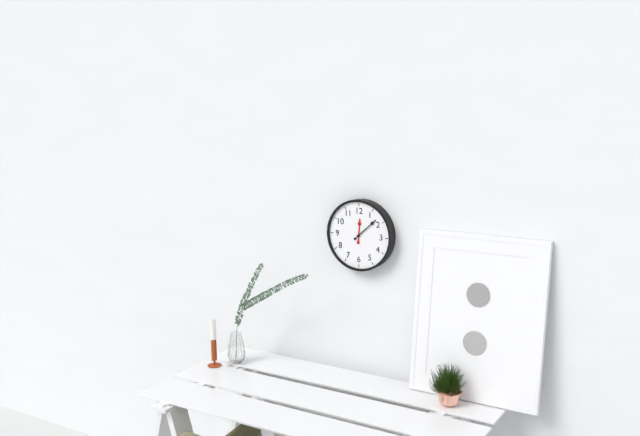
12:08
